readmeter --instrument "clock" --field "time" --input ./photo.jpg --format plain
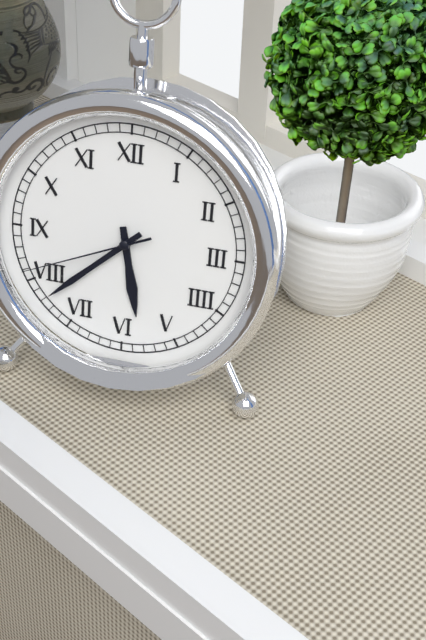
5:38:41
